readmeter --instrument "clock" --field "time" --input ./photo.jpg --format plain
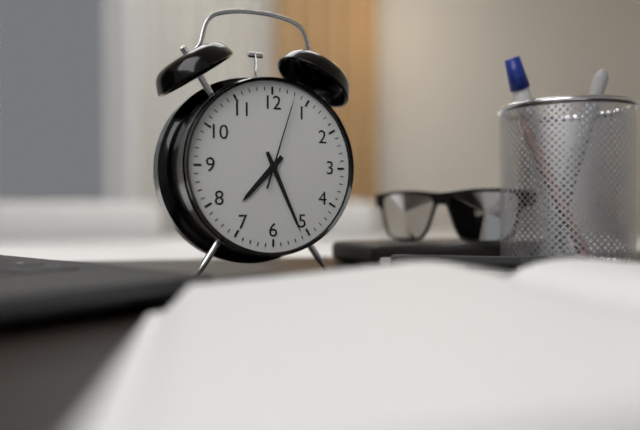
7:26:03
